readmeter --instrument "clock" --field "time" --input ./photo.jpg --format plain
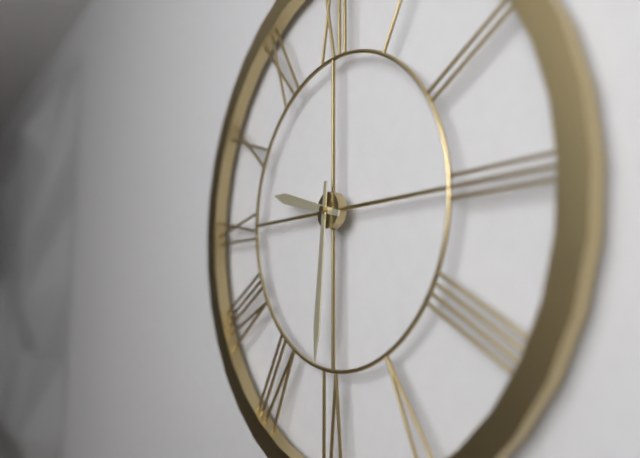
9:31
